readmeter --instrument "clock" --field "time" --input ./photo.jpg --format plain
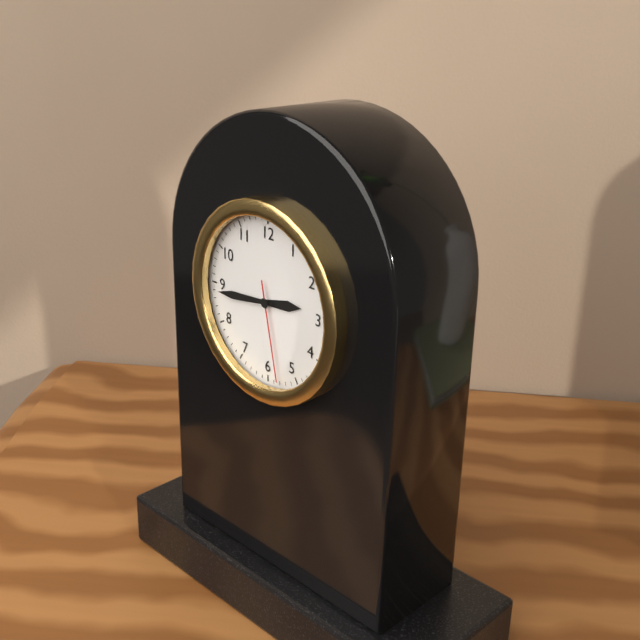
2:44:28
